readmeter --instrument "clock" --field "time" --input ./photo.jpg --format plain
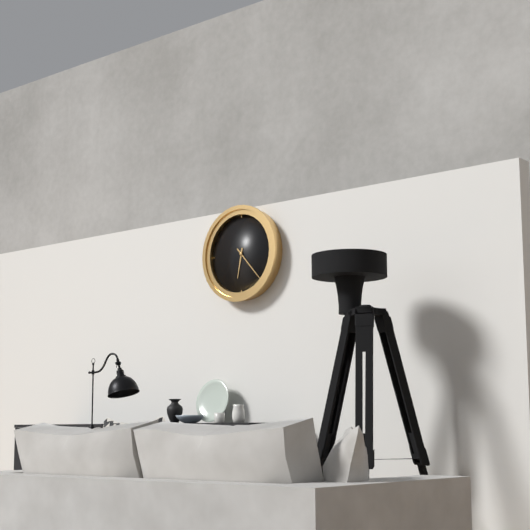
6:23
